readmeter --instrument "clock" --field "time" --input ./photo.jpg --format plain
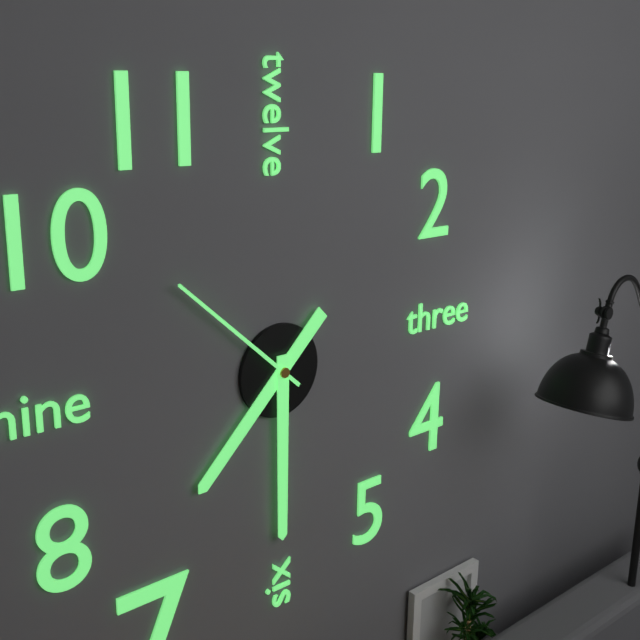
7:30:52
